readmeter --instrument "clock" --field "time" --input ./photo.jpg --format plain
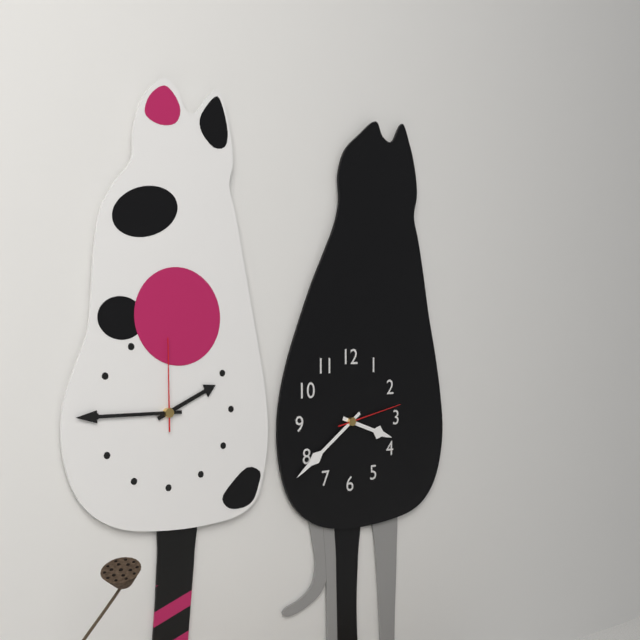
3:39:13
